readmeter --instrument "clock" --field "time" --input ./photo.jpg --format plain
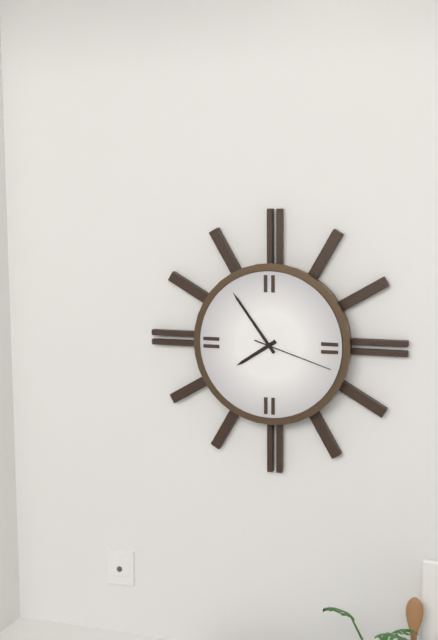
7:54:18
